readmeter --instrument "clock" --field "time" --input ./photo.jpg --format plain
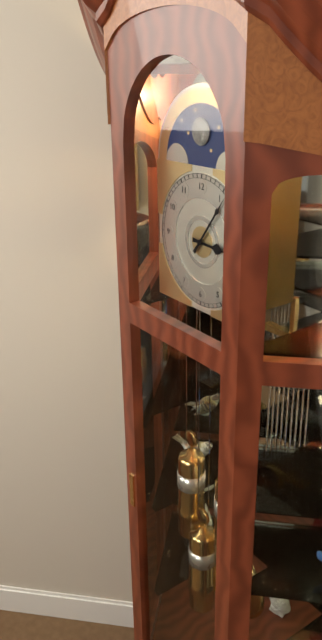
3:06
